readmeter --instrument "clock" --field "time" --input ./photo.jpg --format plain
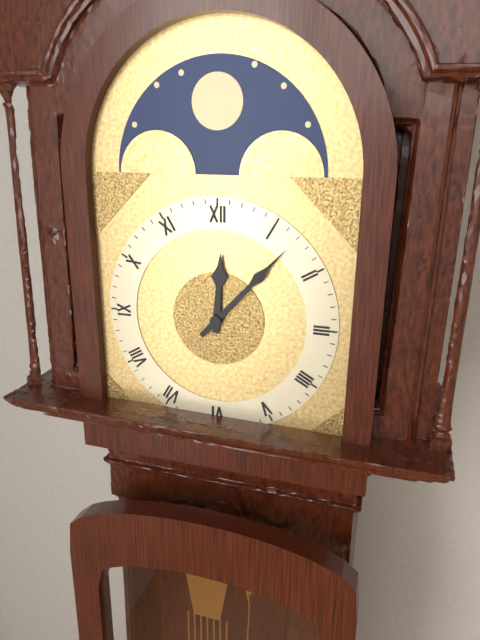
12:07
